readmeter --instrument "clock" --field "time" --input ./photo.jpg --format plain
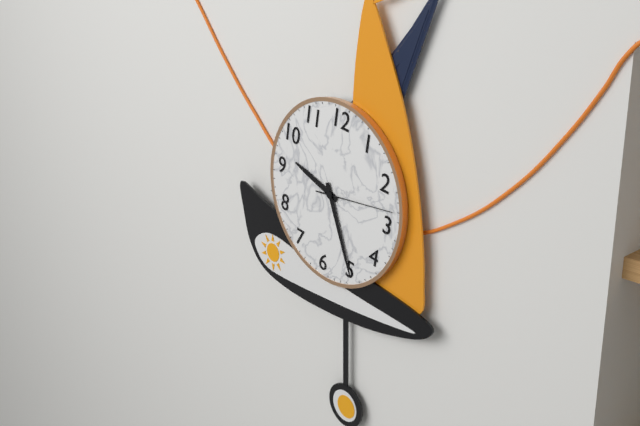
9:25:13
